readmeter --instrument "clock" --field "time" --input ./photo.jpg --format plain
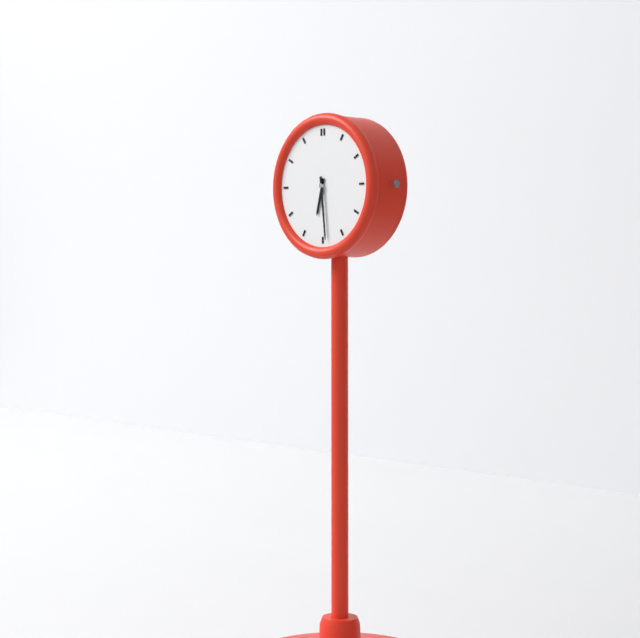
6:29
